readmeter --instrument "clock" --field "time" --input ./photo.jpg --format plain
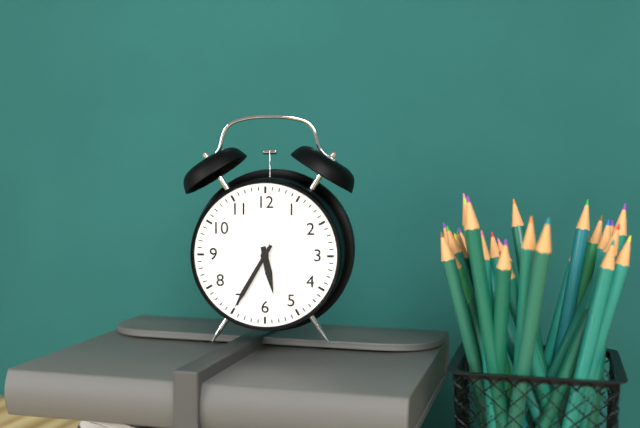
5:35
